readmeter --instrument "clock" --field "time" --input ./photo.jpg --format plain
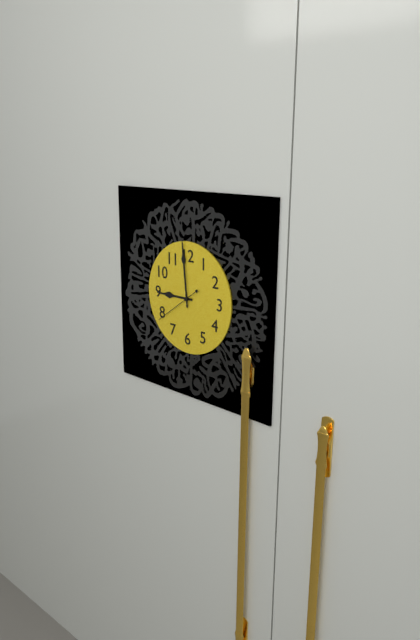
8:59
